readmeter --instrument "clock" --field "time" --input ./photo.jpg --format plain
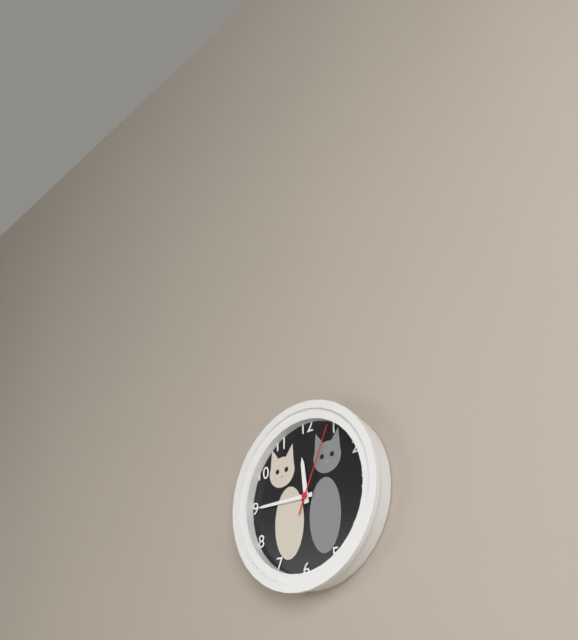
11:45:04
